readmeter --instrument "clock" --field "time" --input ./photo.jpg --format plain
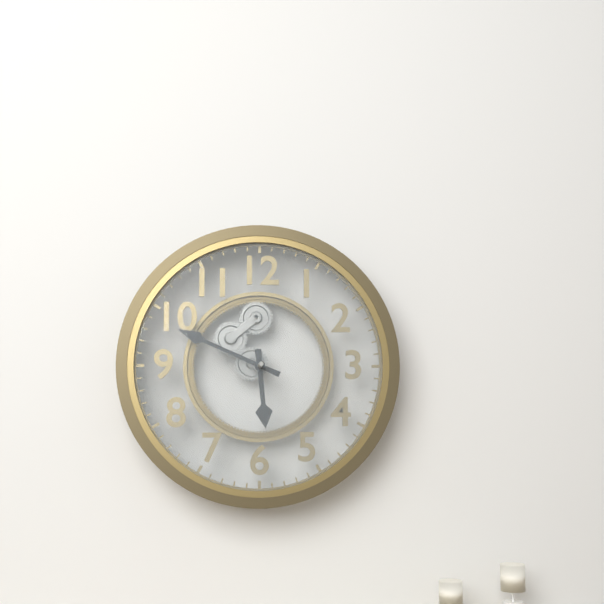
5:49
